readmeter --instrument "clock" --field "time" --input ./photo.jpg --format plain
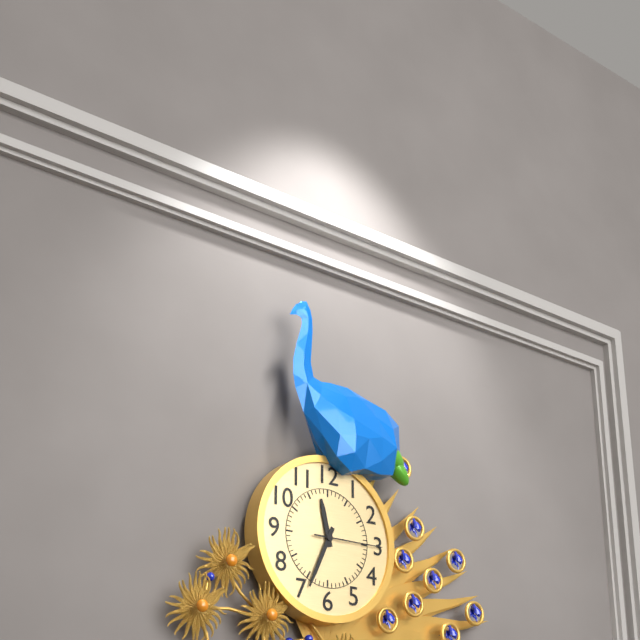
11:34:15
